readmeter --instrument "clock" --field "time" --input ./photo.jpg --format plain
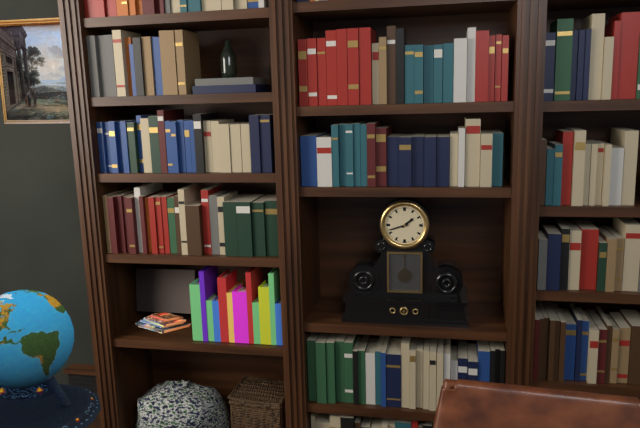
1:42
